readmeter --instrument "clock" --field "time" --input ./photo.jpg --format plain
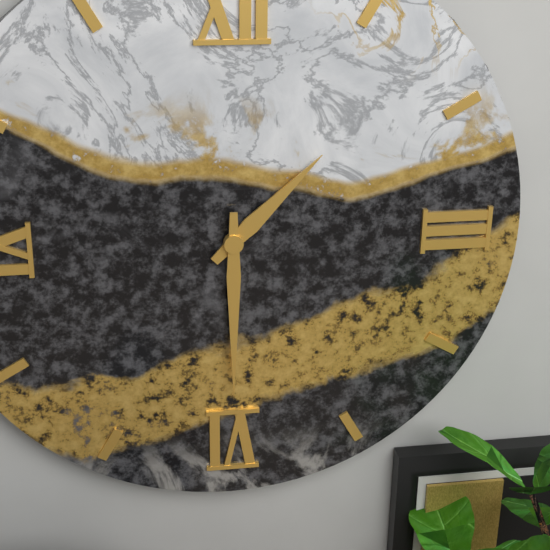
1:30
